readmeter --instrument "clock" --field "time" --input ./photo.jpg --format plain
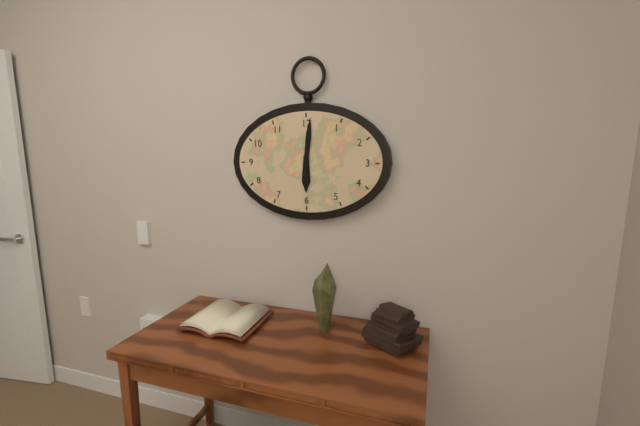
6:01
